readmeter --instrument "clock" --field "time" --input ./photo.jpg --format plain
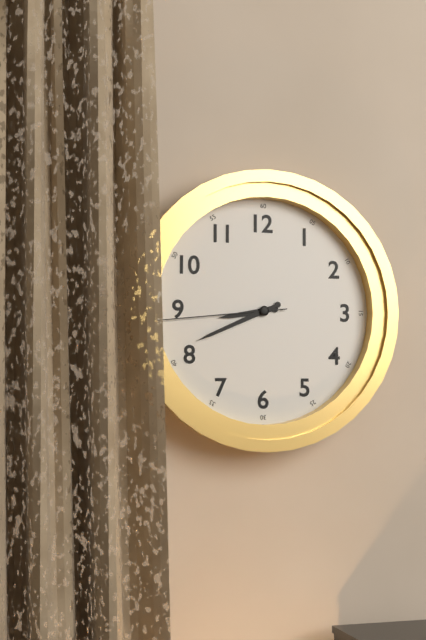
8:41:44
